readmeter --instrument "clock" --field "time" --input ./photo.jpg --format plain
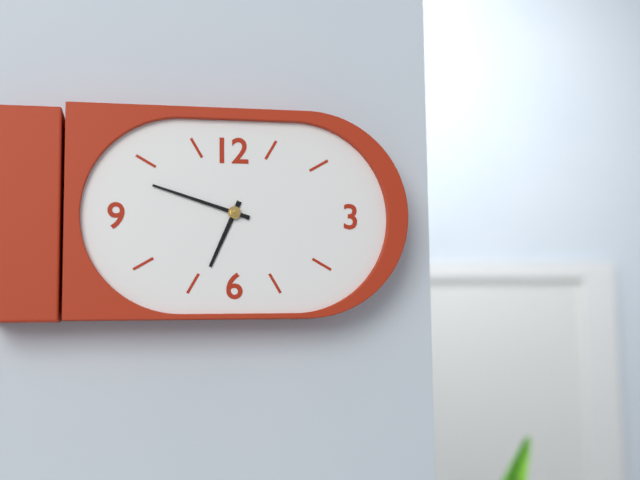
6:48
